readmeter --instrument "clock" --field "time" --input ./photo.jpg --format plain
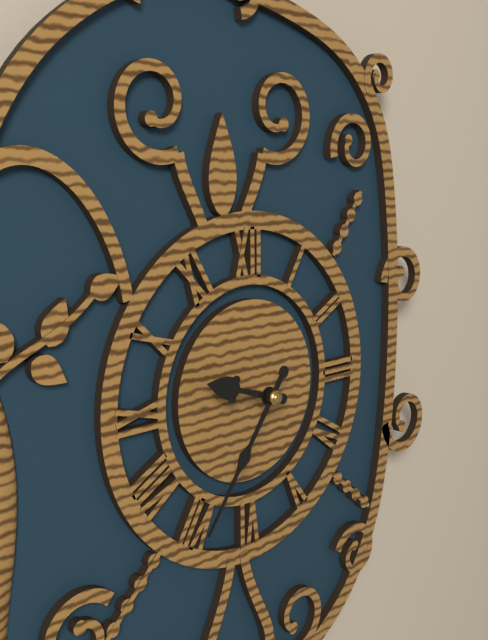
9:36
